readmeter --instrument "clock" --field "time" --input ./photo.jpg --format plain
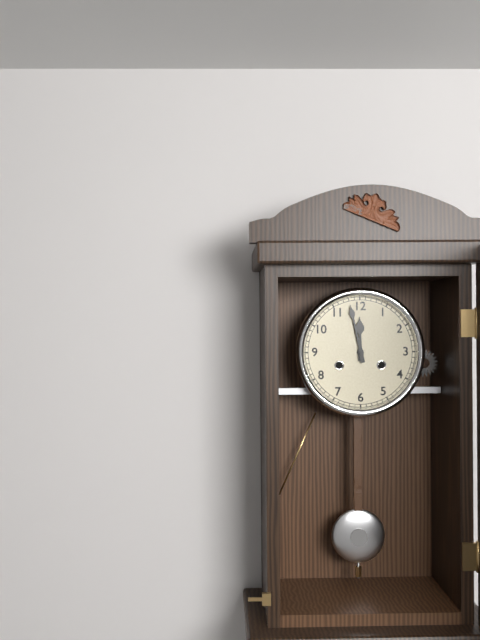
11:58
